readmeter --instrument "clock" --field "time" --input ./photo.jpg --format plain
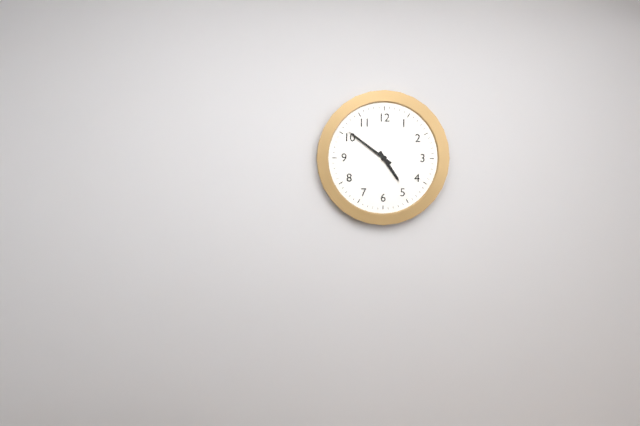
4:51
